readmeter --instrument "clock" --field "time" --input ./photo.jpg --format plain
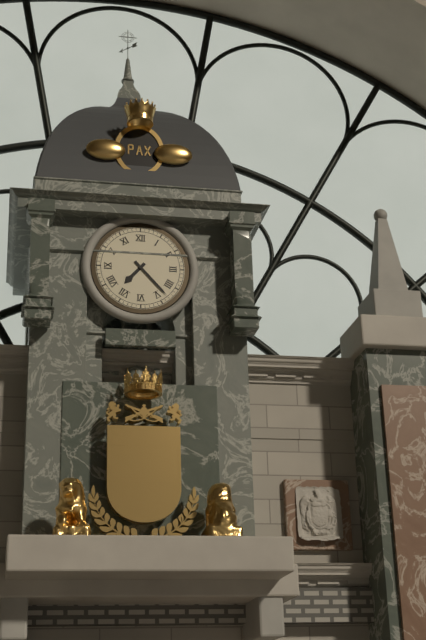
7:23
